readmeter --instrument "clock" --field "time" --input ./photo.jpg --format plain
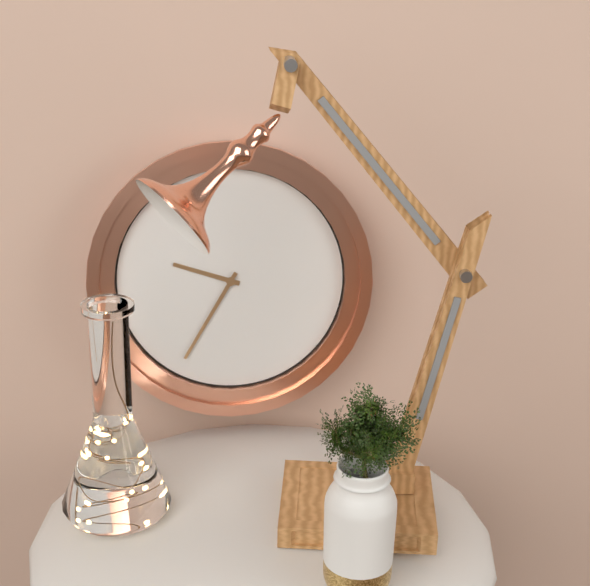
9:35
